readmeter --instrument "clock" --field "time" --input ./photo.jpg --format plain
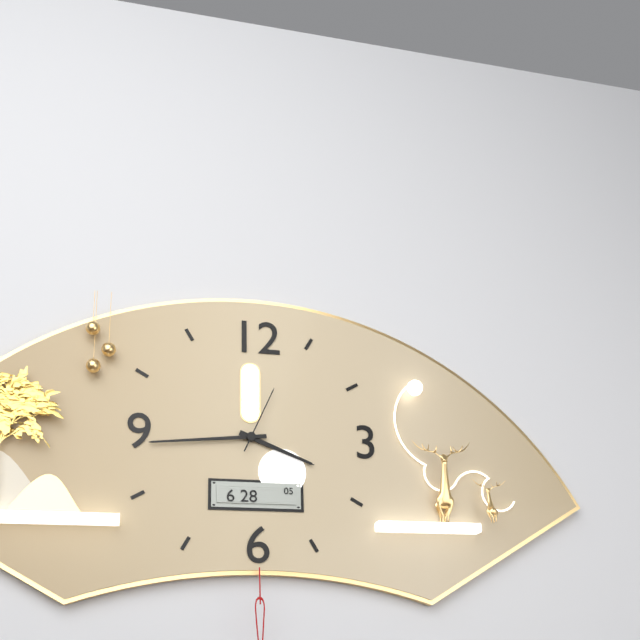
3:44:04
